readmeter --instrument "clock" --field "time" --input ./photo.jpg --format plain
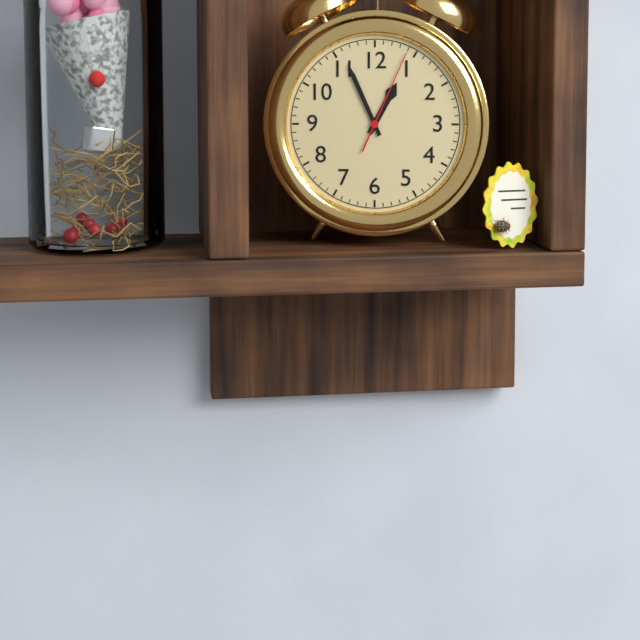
12:56:04
